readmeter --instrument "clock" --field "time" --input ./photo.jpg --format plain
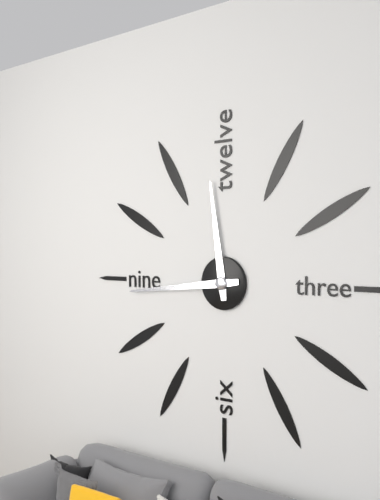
11:44
